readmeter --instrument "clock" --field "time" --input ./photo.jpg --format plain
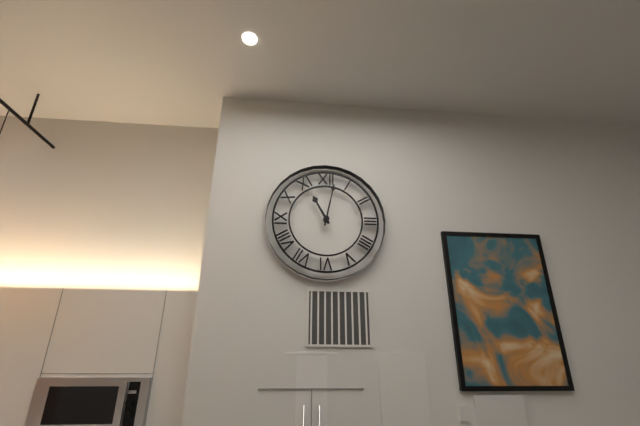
11:02
